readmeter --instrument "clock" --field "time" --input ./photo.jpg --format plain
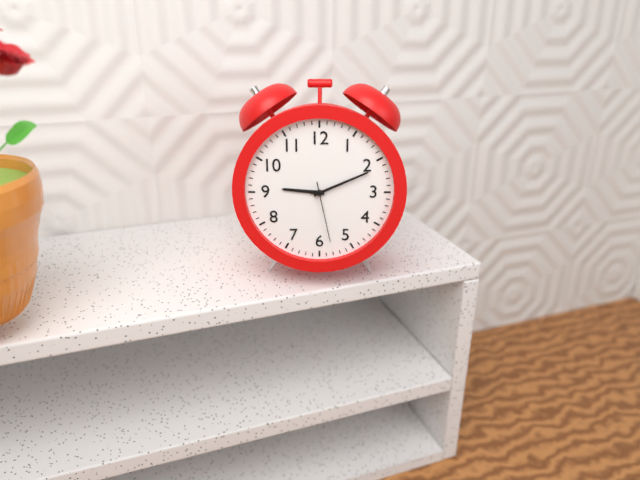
9:11:28
